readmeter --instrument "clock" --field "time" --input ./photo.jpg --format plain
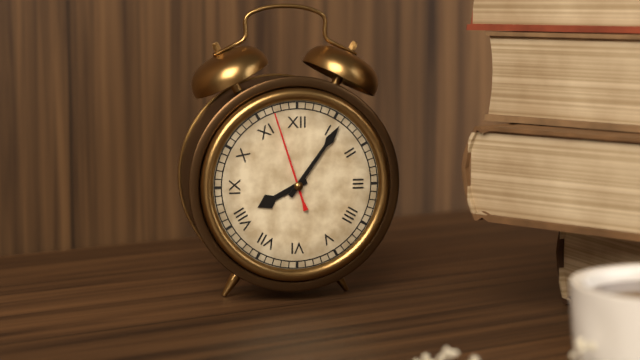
8:06:57
